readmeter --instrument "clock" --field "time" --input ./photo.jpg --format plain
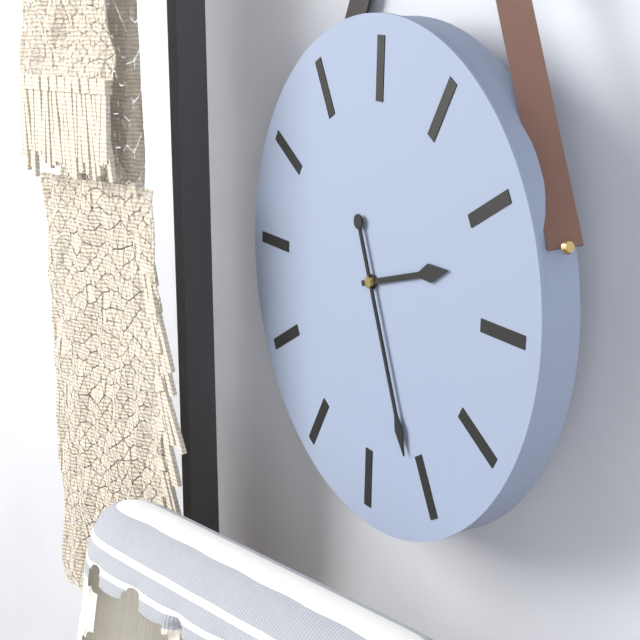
2:26
